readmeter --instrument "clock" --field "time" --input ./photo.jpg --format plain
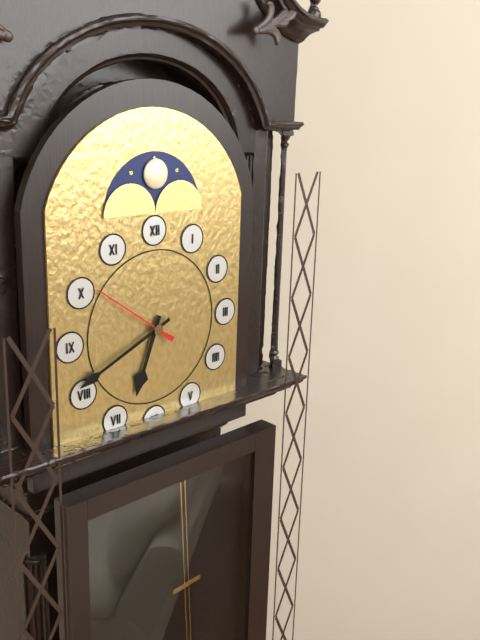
6:41:51
